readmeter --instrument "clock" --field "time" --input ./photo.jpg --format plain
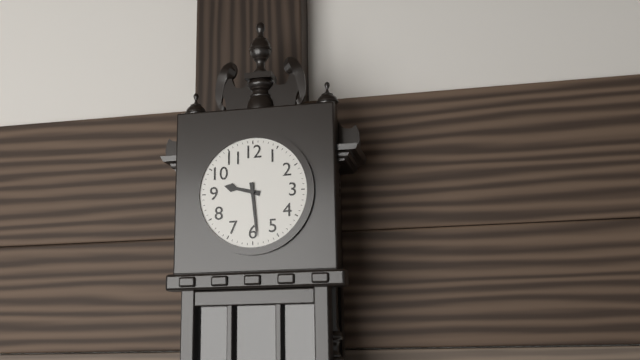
9:29
